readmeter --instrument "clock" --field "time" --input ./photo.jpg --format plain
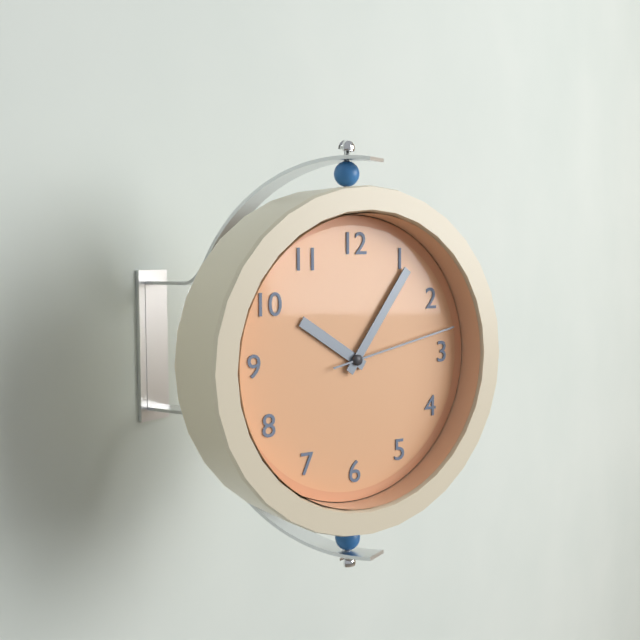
10:06:13
